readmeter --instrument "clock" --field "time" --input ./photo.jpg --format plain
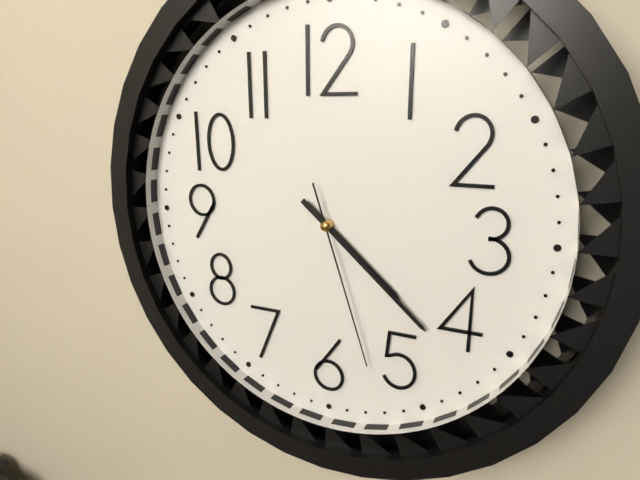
4:22:27
